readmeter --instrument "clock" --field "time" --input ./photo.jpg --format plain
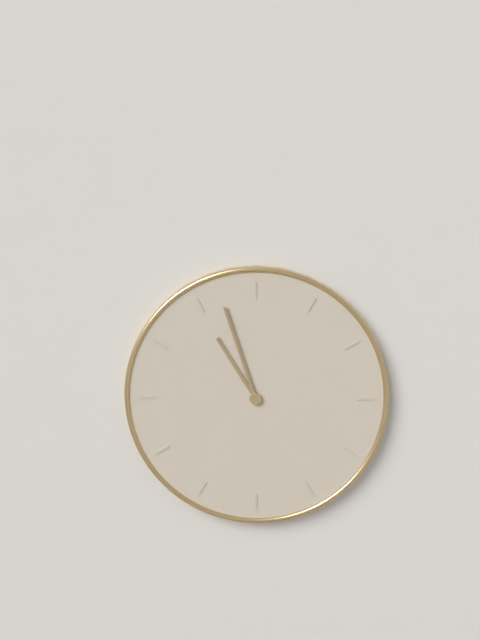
10:57
